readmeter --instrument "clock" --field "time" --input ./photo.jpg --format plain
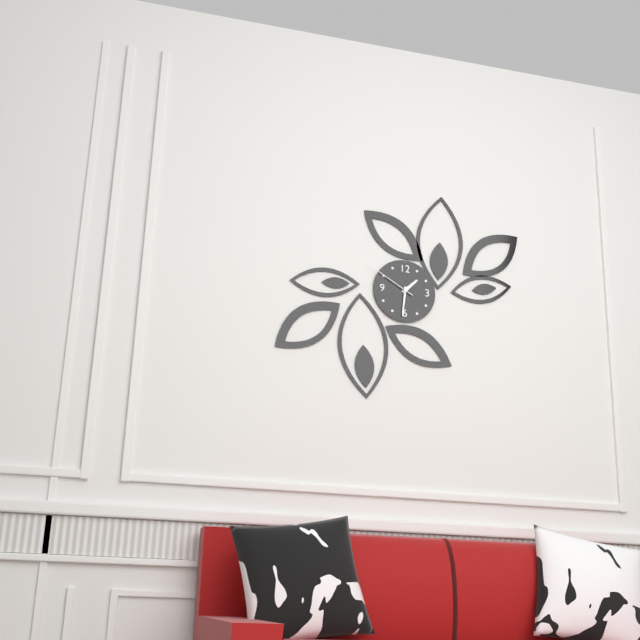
1:31:50
